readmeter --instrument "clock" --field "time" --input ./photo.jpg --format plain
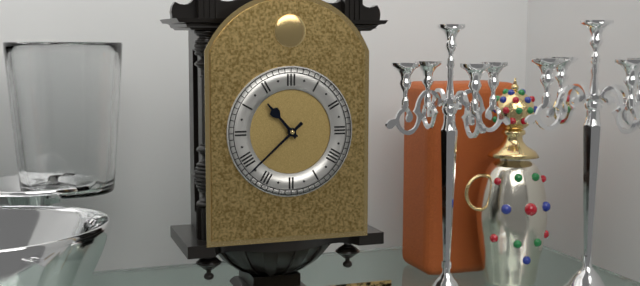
10:38
